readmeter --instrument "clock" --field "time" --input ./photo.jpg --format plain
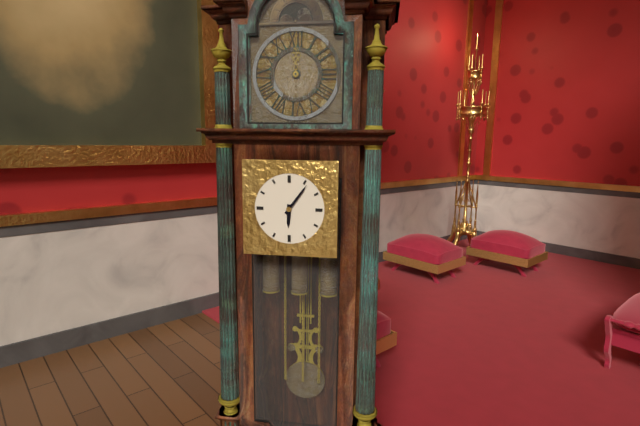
6:06
